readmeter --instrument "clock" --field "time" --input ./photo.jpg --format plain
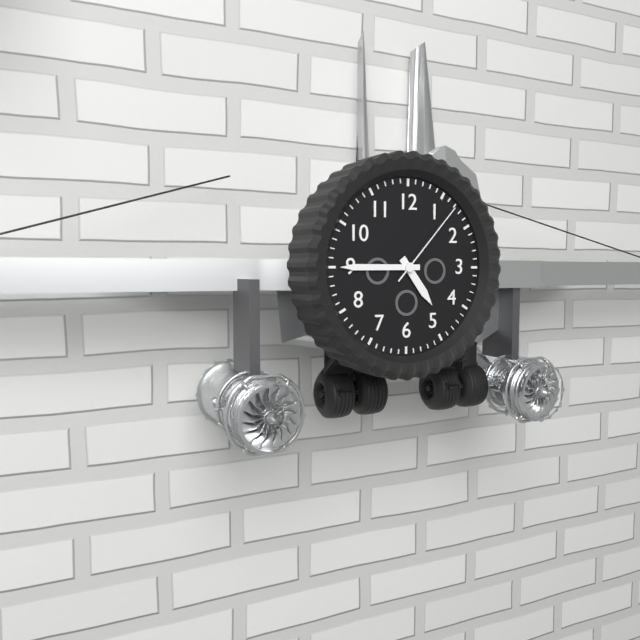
4:45:07
